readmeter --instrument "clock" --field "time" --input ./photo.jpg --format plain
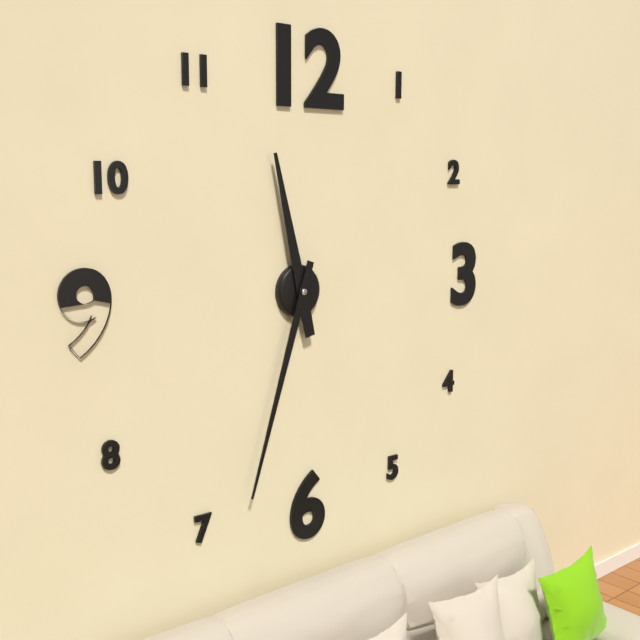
11:33
